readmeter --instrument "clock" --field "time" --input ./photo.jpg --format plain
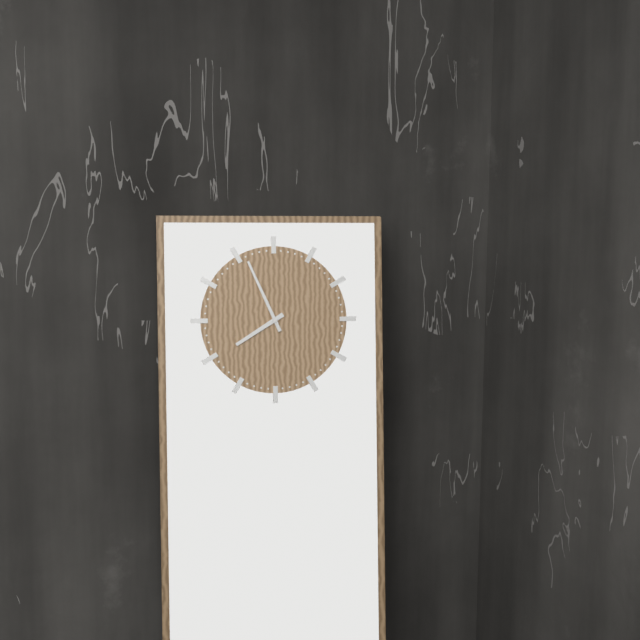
7:56
